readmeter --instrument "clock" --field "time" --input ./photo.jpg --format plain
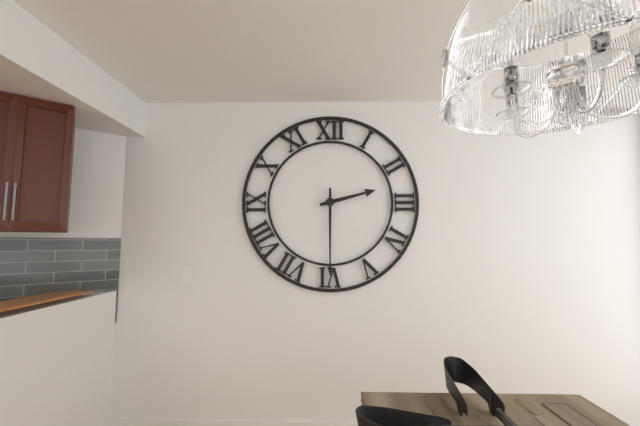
2:30
